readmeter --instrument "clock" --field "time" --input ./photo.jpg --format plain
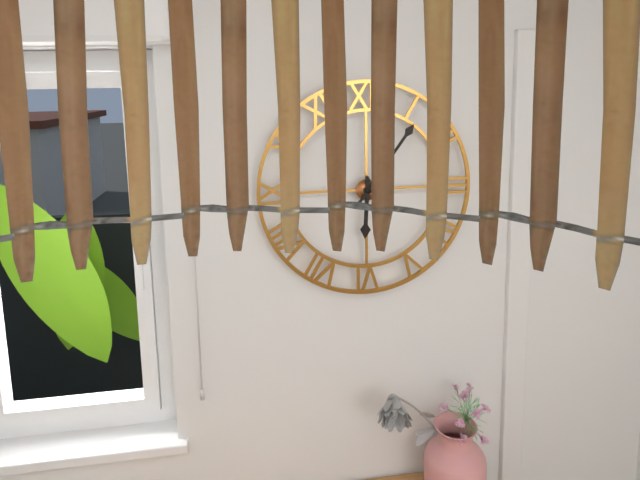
6:06
